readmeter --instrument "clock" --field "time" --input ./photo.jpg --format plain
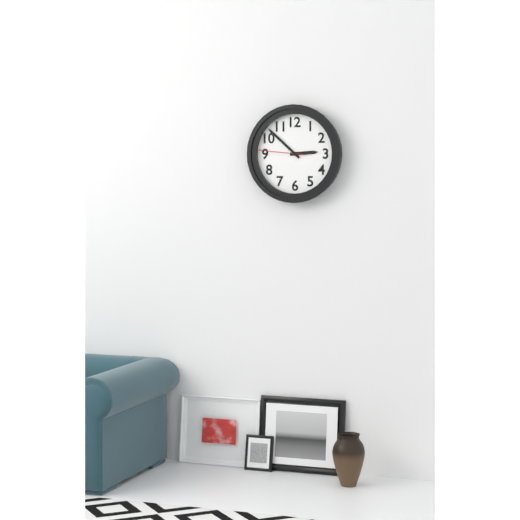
2:52
